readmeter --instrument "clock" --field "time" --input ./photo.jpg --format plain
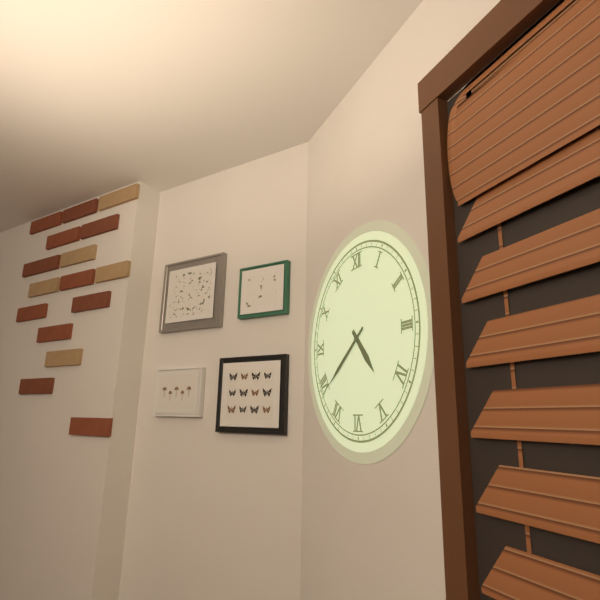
4:39:39
